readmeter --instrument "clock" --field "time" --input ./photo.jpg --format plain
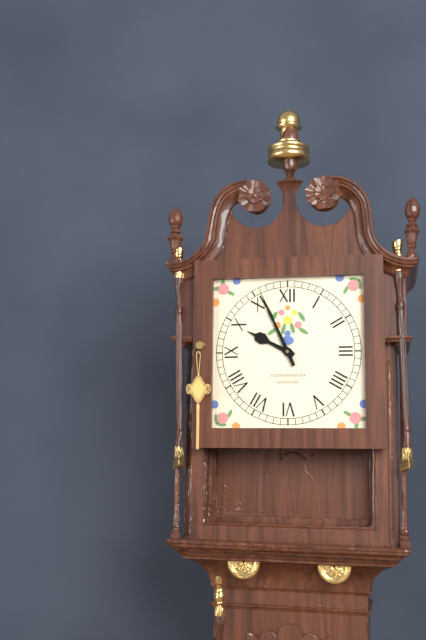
9:56
